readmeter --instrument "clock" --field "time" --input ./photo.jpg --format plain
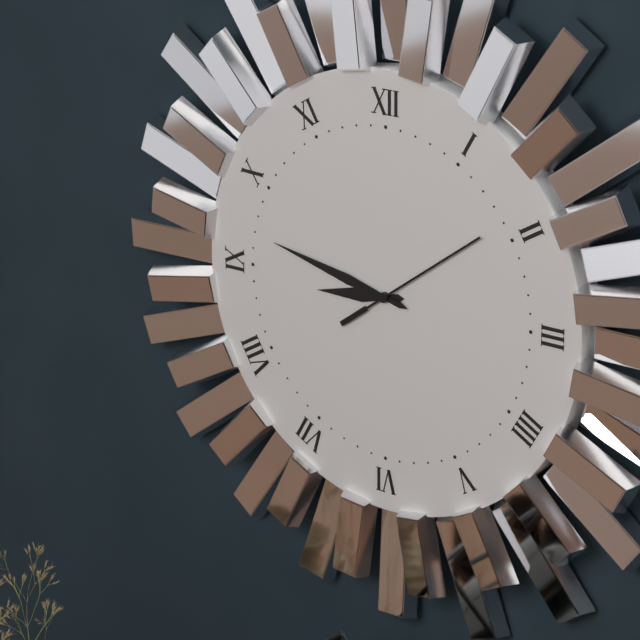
8:47:09
